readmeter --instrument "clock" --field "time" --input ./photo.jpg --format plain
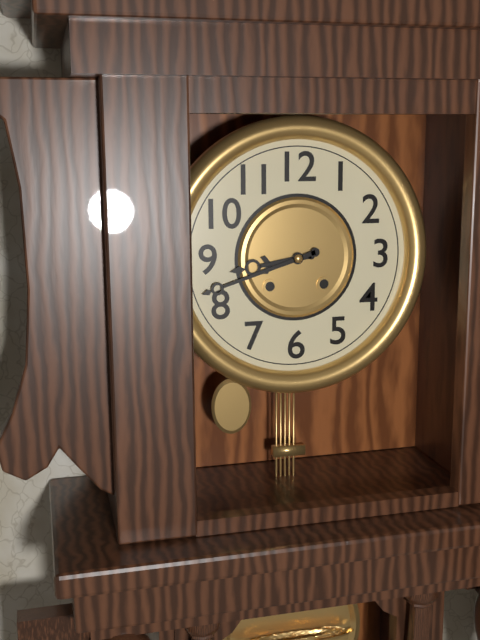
8:42
